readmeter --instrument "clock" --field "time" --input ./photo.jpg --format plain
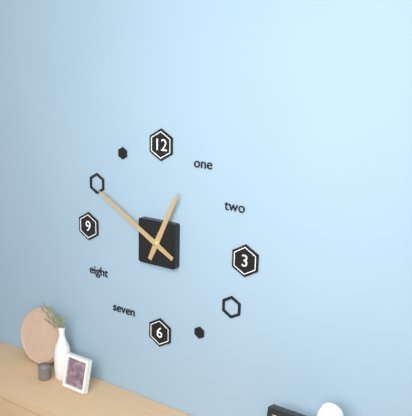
12:50
